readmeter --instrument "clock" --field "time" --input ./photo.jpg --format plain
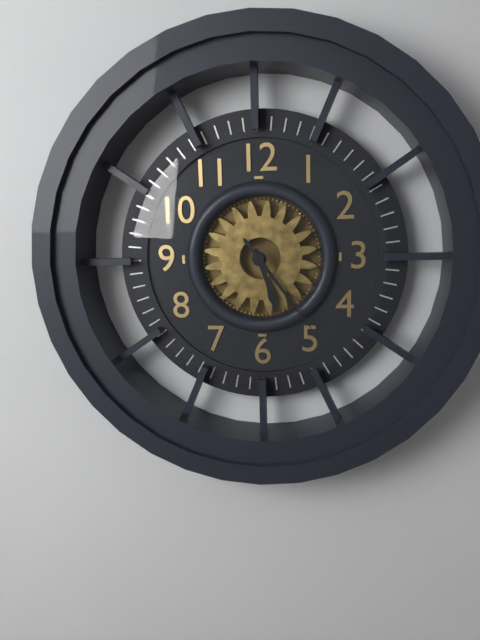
5:24
